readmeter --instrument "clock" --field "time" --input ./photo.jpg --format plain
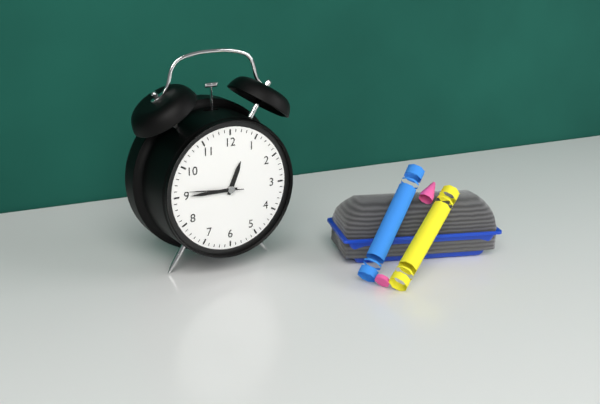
12:45:46
